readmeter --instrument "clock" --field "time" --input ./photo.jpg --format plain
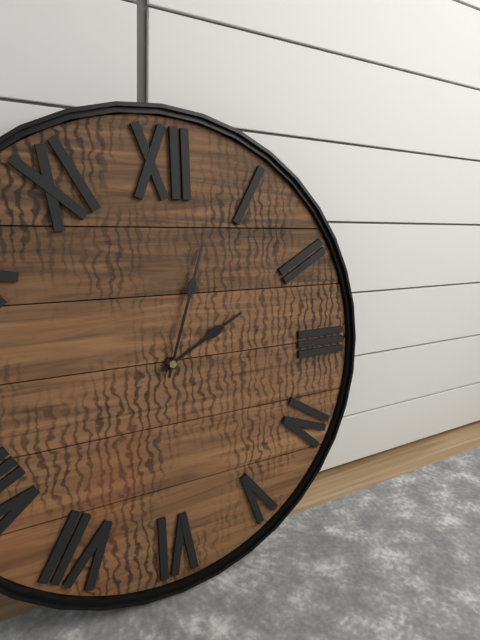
2:03
